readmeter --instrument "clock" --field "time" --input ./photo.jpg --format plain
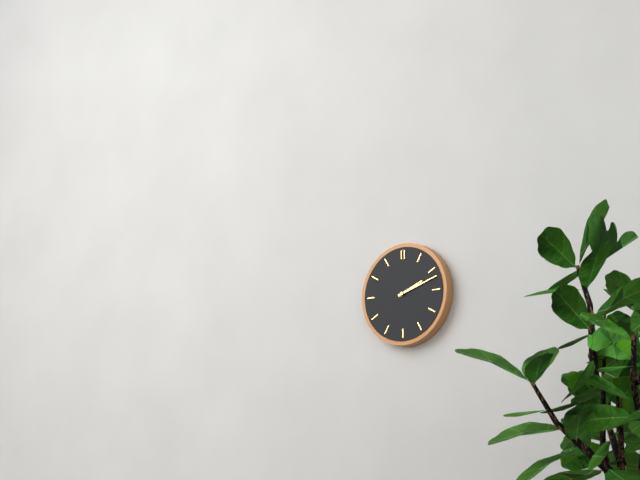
2:12
